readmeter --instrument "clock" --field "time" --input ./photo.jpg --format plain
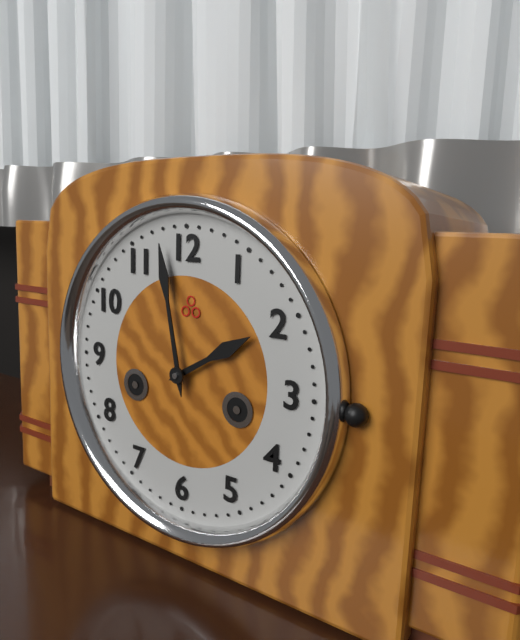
1:58
